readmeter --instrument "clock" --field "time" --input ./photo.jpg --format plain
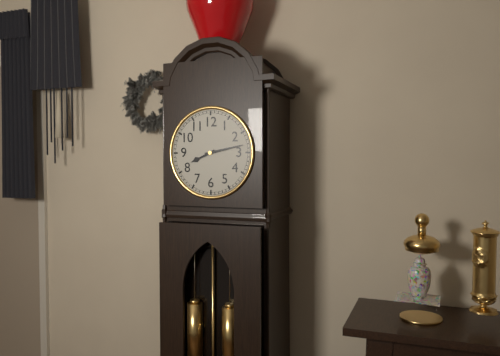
8:13
